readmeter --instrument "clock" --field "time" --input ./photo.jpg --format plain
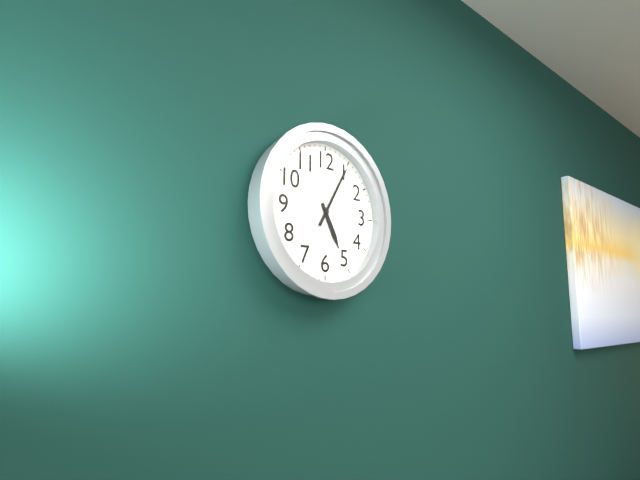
5:05
